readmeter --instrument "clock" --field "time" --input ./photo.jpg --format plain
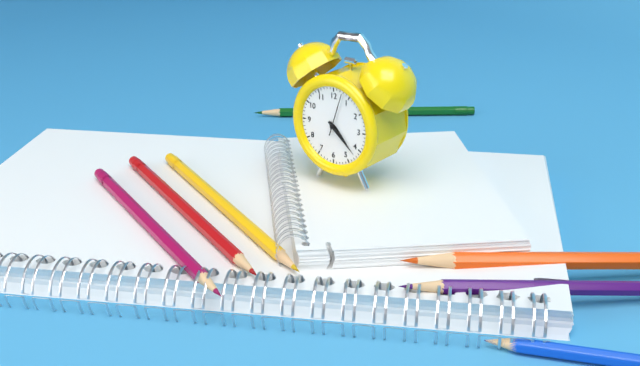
4:22
